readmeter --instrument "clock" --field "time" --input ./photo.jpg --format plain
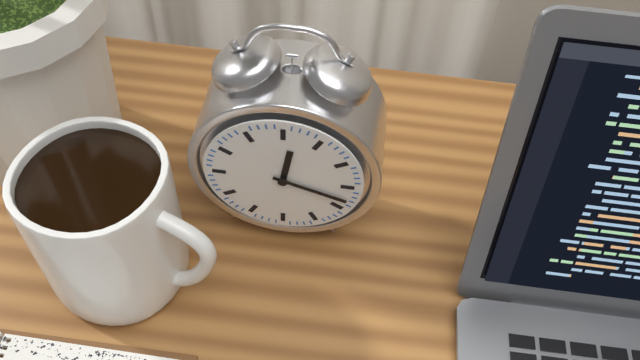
12:18
